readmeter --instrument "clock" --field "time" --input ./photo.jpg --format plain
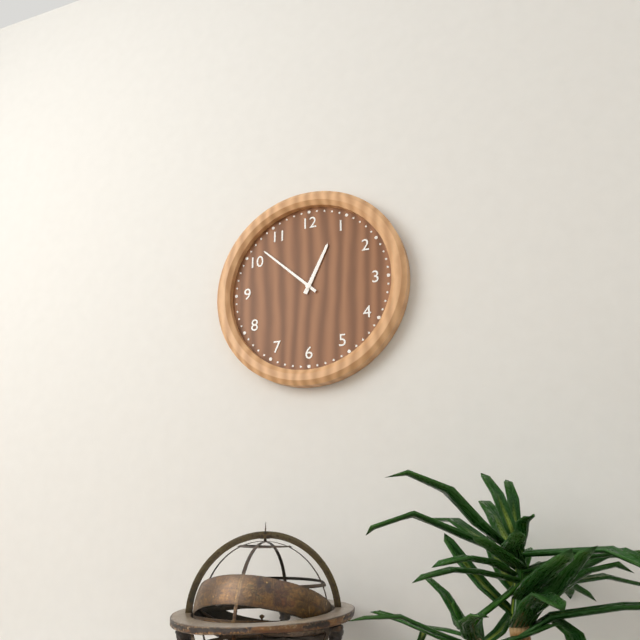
12:52
